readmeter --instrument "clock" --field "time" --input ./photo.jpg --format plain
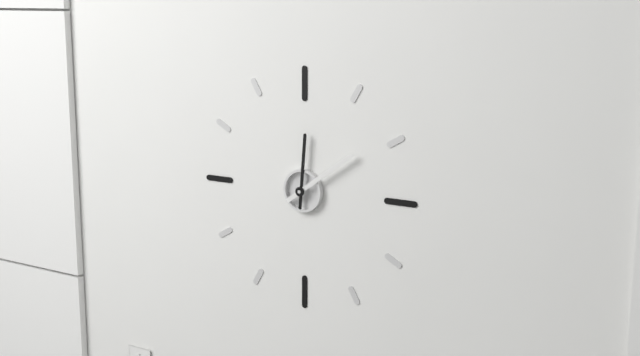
12:09
